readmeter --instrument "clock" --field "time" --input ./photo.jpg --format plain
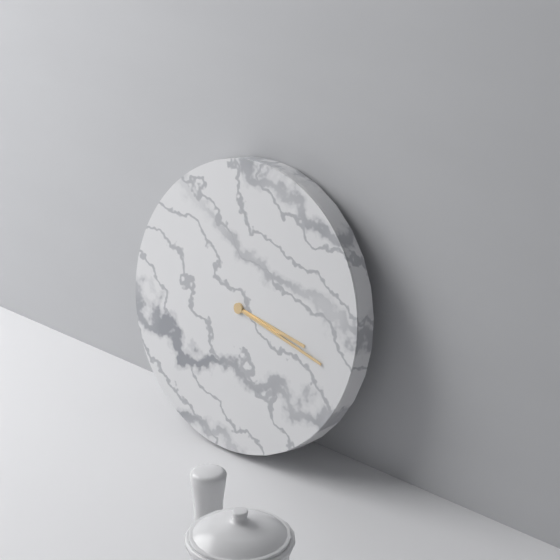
3:17
